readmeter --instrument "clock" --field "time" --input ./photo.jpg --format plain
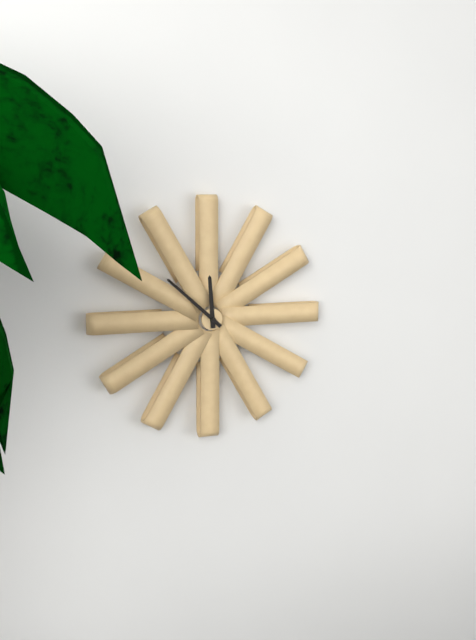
11:52
